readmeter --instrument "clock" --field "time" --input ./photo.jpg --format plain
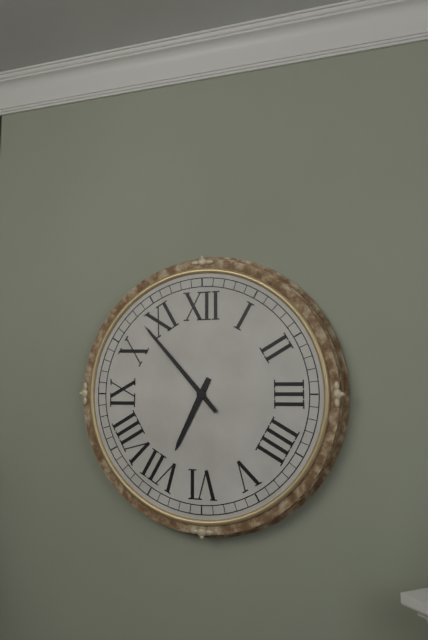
6:53
